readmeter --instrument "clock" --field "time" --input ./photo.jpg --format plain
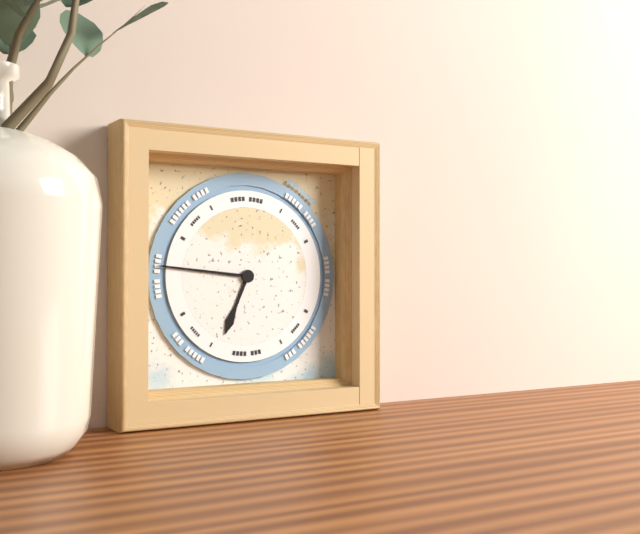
6:46
